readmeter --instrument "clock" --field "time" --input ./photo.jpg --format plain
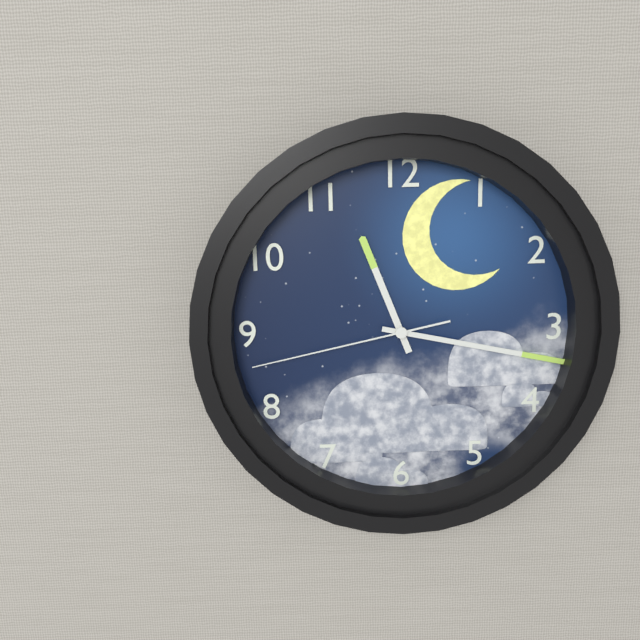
11:17:43
